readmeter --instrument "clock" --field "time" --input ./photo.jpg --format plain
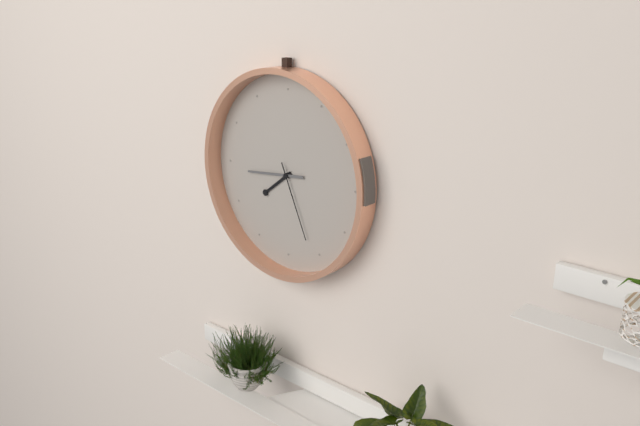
7:44:26
